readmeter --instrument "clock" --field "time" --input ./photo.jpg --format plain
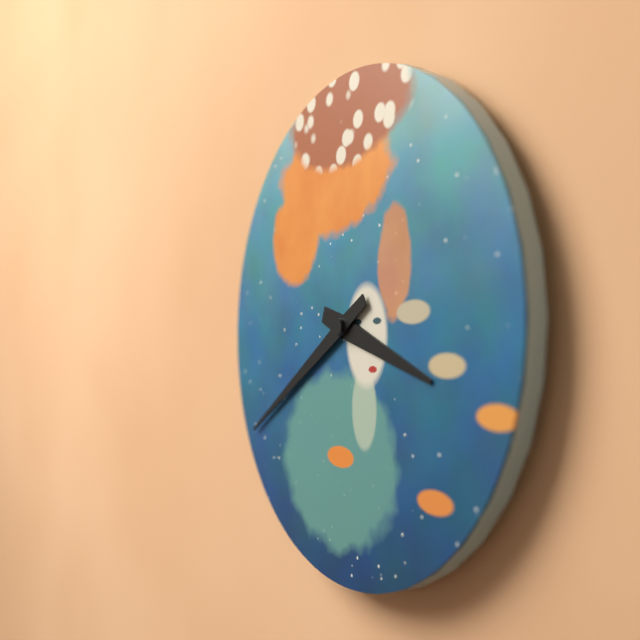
3:40
